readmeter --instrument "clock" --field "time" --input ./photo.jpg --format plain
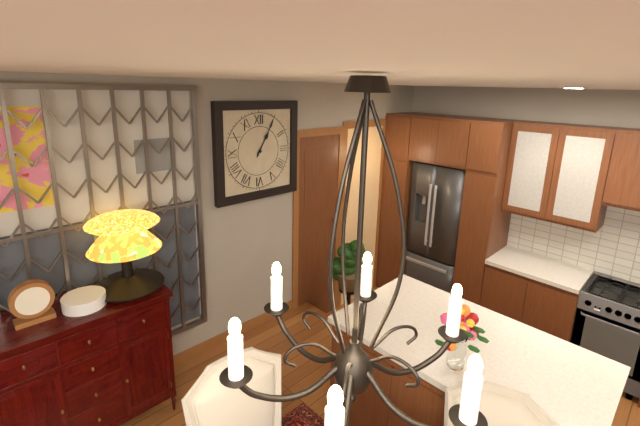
1:05
